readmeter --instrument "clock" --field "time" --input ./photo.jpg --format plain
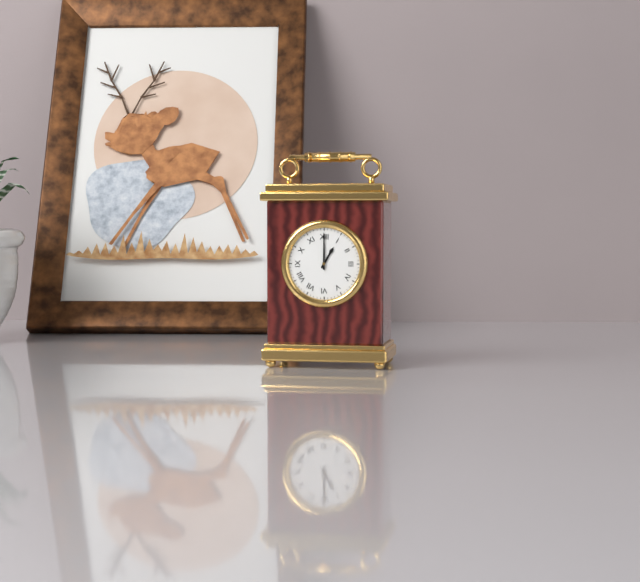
1:00
